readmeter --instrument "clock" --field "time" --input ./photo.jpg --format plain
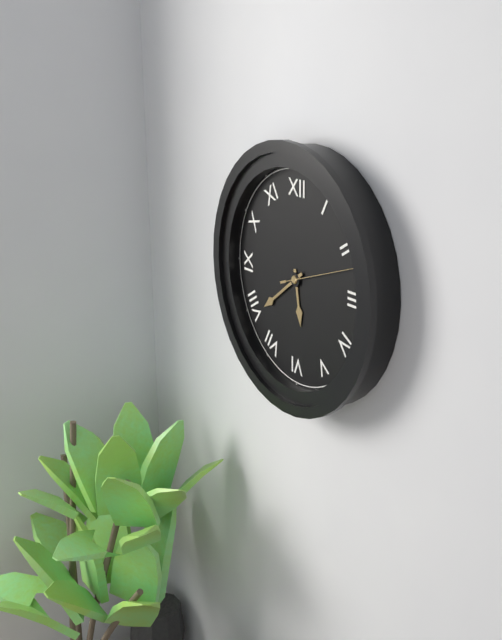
5:39:12
